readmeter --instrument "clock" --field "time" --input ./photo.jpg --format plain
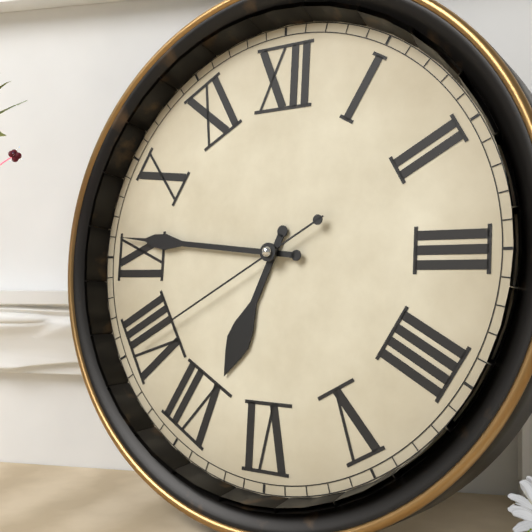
6:46:40
